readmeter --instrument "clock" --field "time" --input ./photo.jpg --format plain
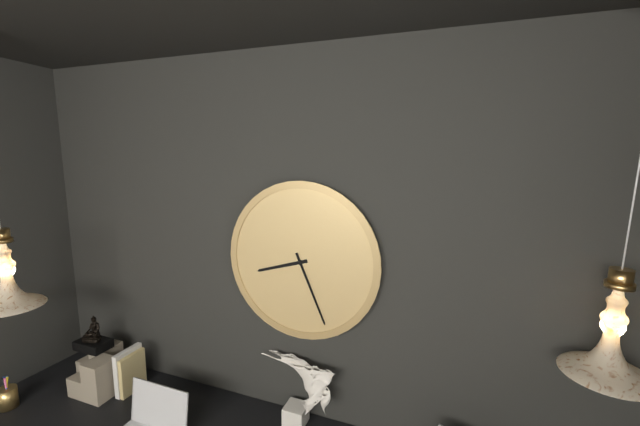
8:26
